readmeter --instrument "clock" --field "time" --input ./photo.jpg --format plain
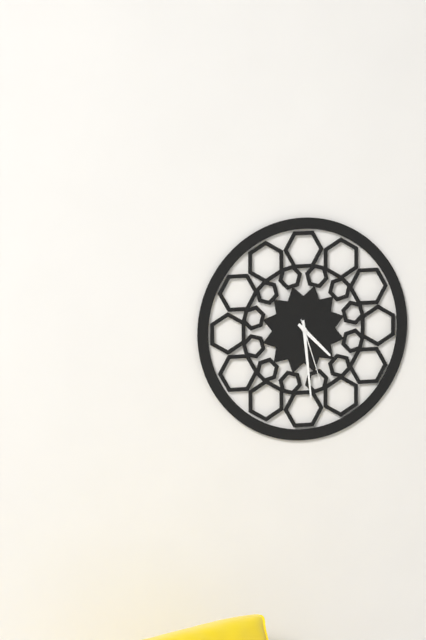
4:29:27
